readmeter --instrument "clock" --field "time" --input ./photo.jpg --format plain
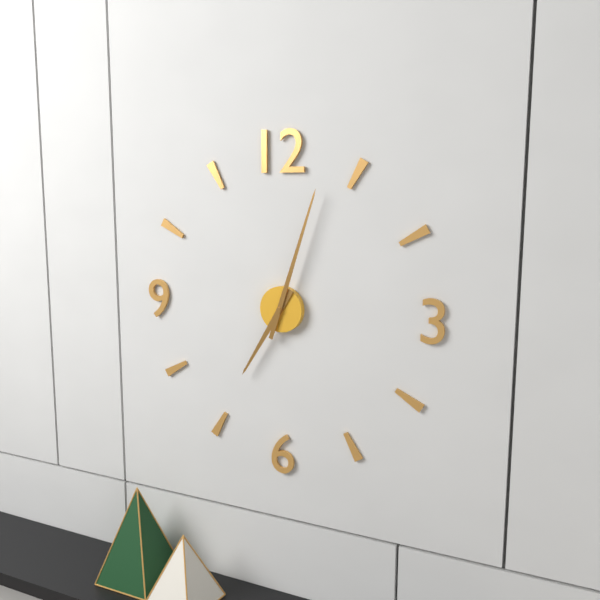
7:03
